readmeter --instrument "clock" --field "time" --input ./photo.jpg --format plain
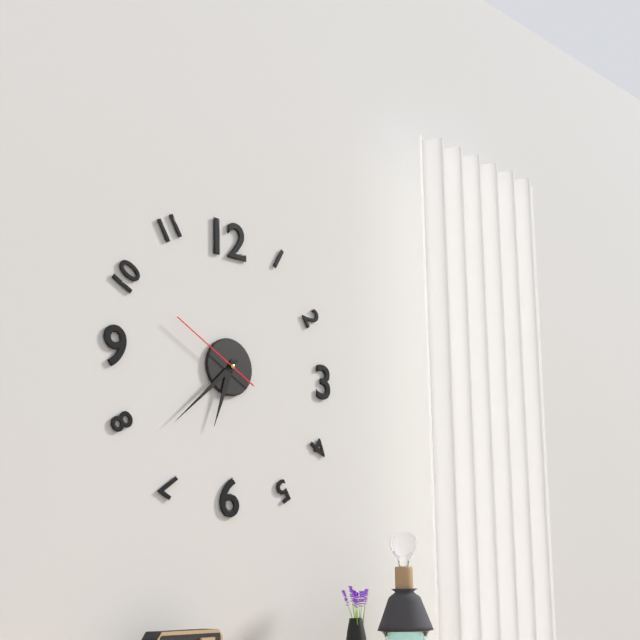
6:38:50
